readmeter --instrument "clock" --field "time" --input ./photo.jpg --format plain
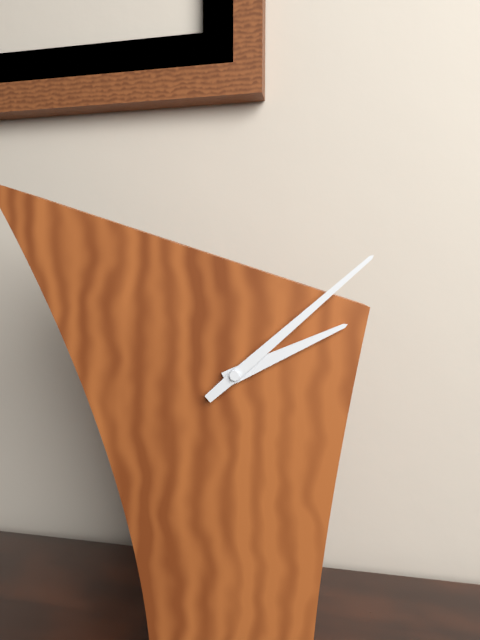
2:08
